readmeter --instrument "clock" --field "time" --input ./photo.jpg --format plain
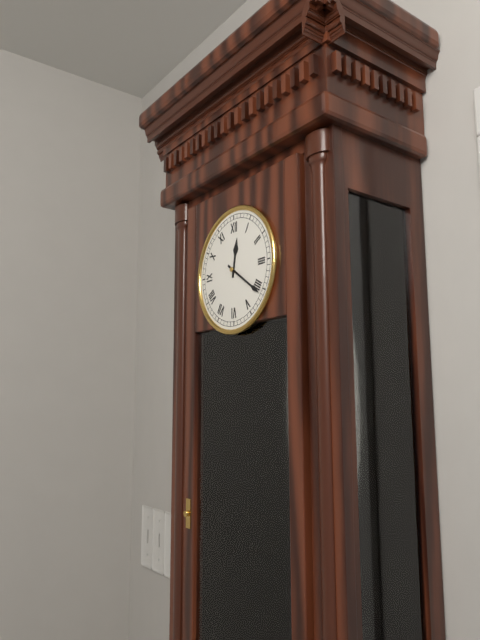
12:21
